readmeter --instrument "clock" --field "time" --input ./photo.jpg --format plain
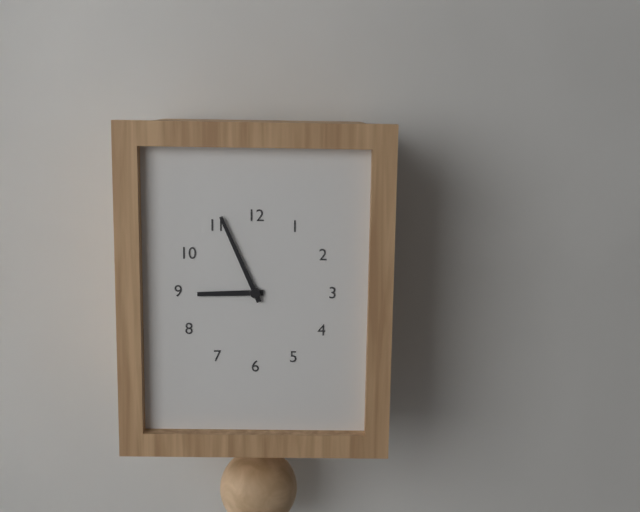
8:56
